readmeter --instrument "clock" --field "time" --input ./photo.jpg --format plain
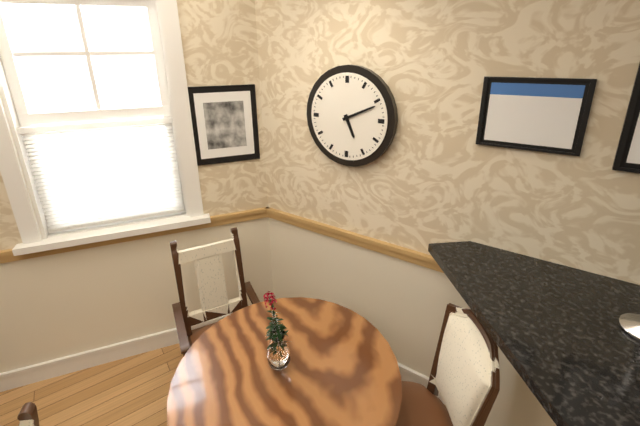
5:11
